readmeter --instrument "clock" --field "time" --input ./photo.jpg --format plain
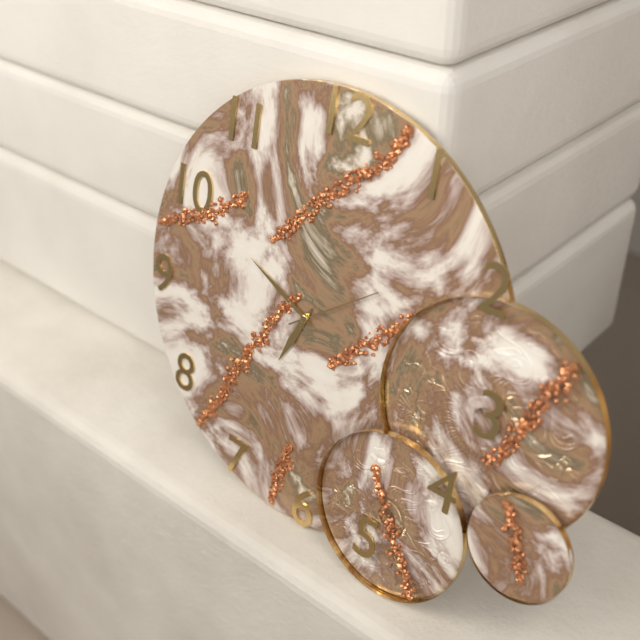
6:49:09
